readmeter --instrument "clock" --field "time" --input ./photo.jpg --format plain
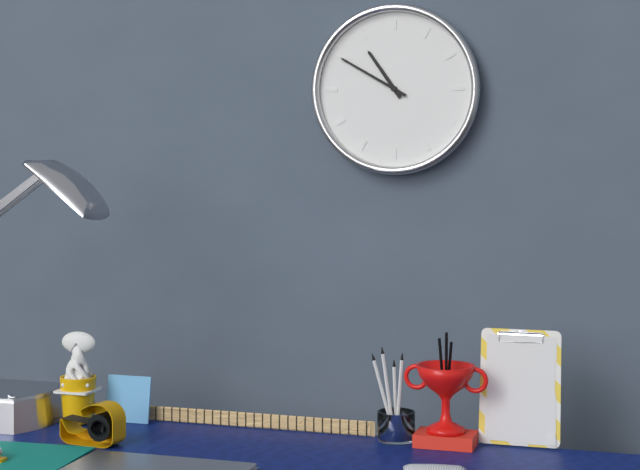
10:50
